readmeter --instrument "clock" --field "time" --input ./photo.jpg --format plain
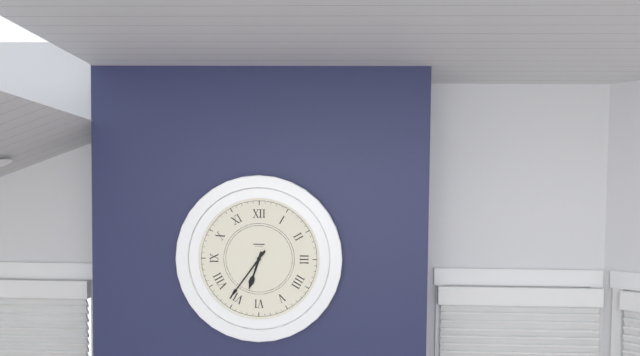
6:36
